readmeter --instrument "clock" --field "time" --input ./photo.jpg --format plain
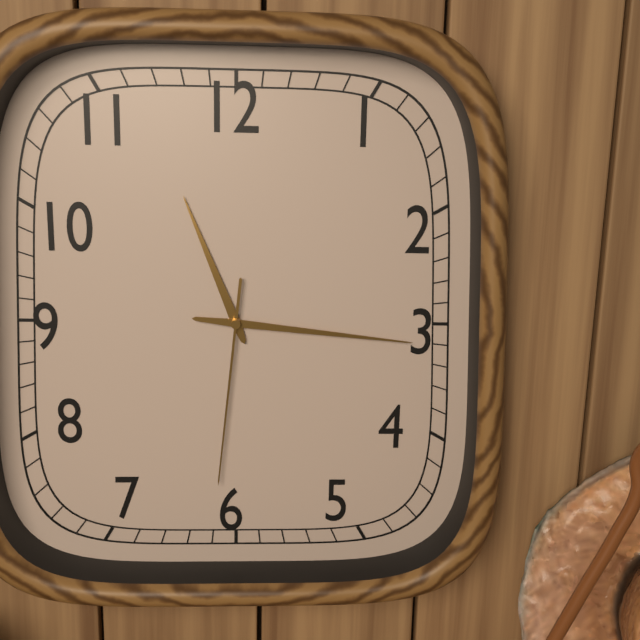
11:16:31
